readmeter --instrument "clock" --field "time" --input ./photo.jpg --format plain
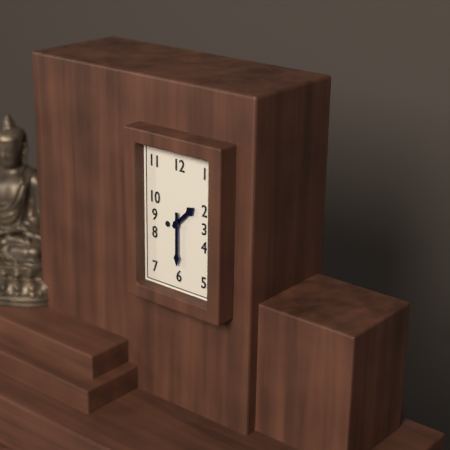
1:30
